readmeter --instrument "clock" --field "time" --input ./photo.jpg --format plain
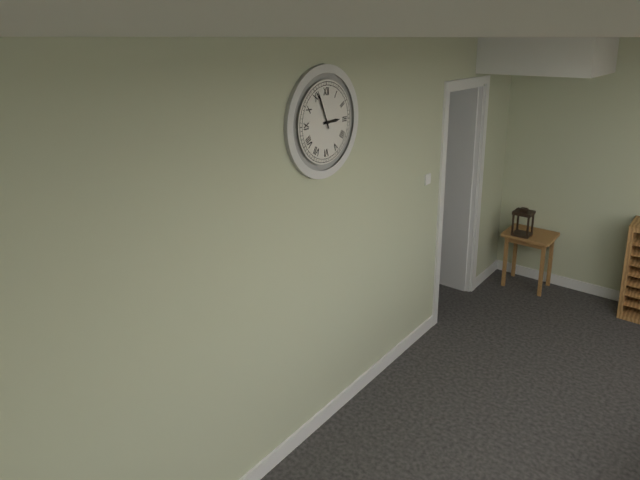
2:56
